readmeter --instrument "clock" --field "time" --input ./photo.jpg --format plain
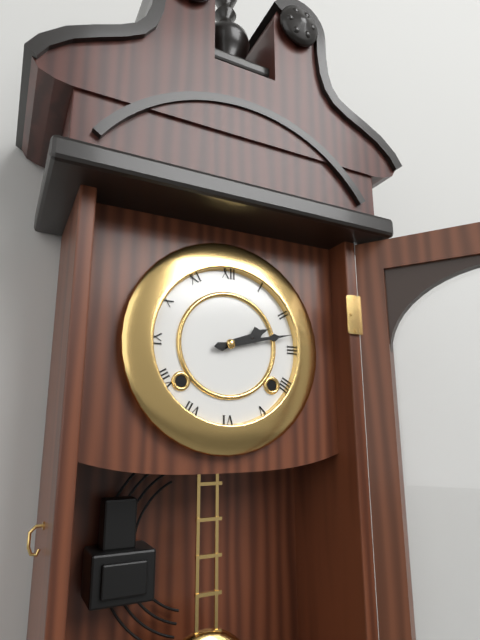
2:13
